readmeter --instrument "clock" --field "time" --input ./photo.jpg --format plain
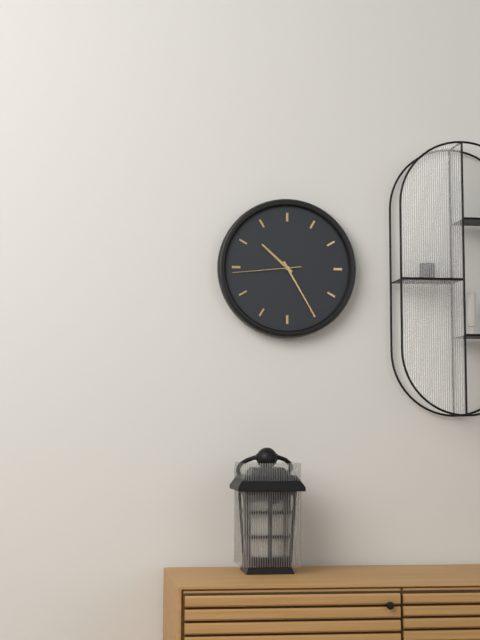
10:25:44
